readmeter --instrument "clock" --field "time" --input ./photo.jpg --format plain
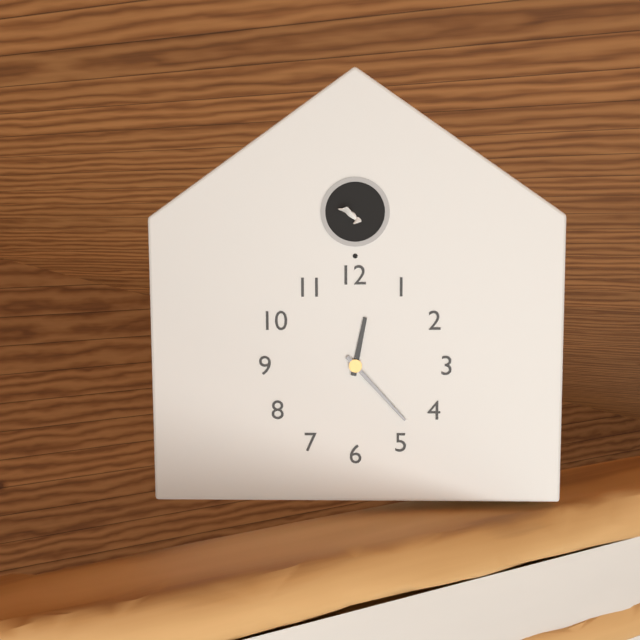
12:23
